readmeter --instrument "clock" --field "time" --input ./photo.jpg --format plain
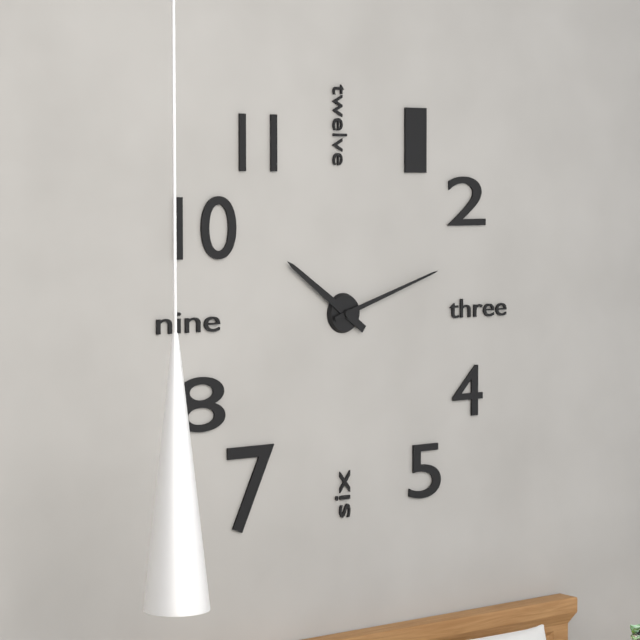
10:12
